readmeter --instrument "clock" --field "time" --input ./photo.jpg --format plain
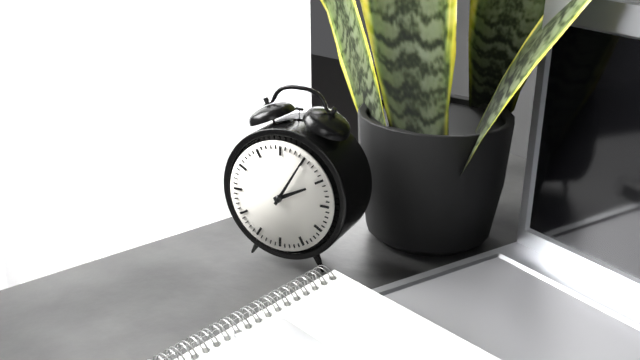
2:05
